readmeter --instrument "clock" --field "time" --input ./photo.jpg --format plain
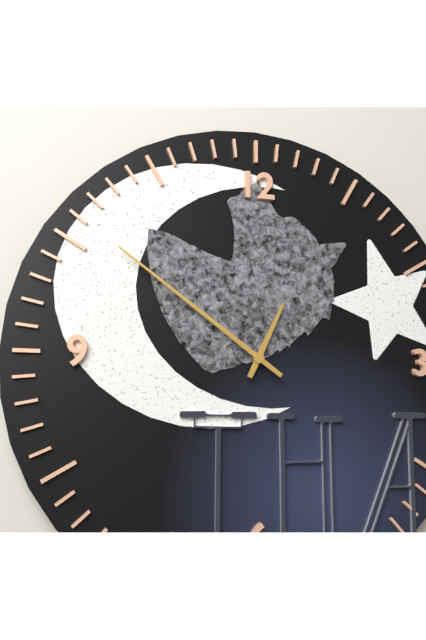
12:51
